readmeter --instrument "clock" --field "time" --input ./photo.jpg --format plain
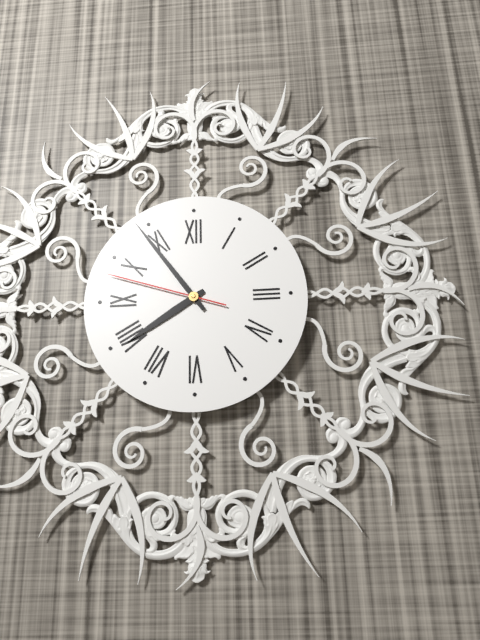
7:54:48
